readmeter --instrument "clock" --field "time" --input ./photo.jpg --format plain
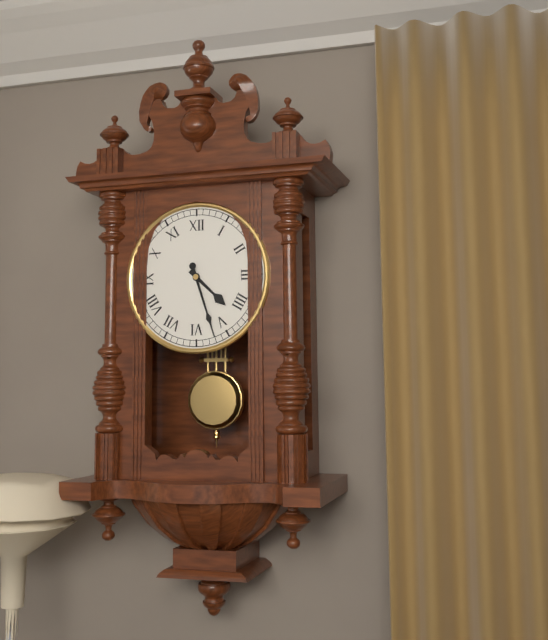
4:27
